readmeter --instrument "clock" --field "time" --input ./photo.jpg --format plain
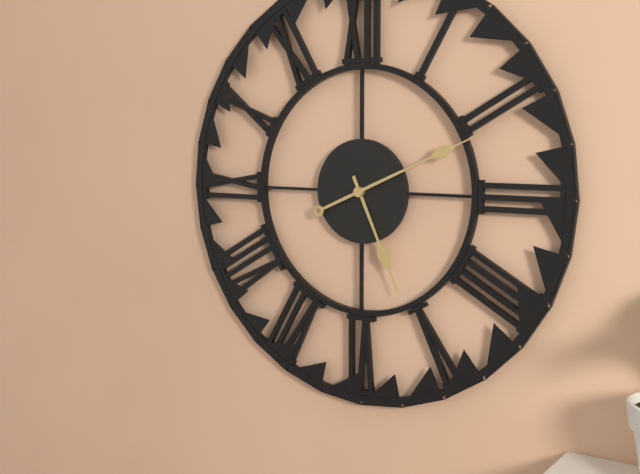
5:11
